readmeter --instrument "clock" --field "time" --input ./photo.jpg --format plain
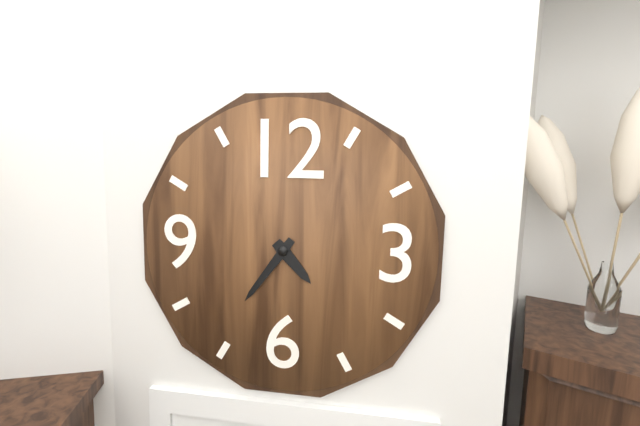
4:36
